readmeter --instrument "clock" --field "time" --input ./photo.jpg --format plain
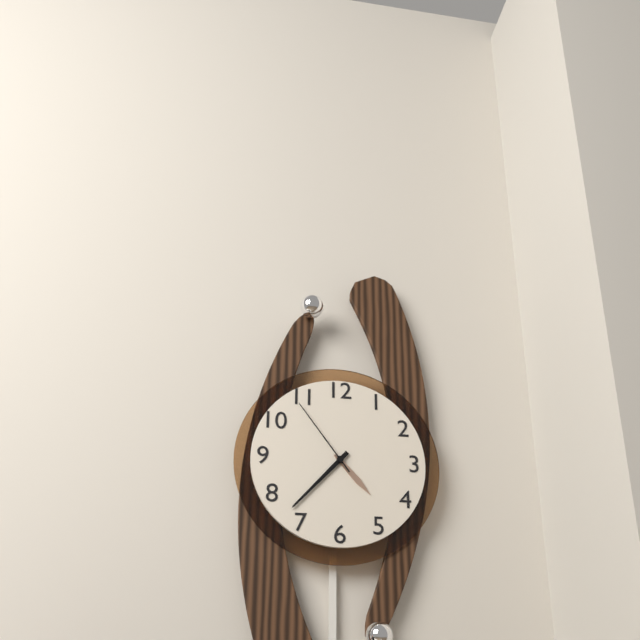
4:37:54
